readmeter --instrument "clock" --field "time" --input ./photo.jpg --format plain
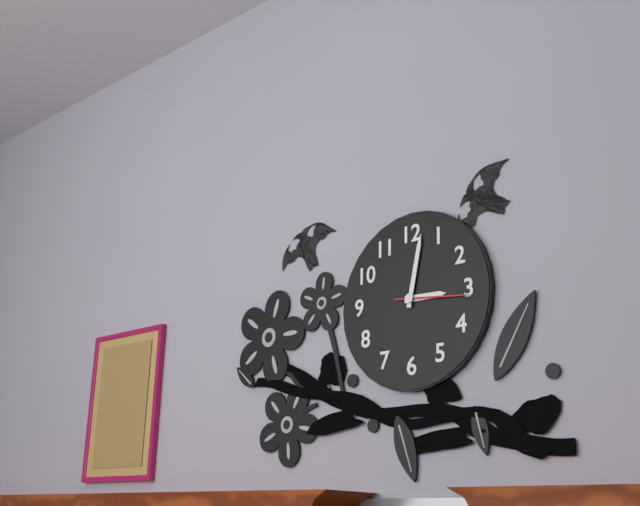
3:02:16
